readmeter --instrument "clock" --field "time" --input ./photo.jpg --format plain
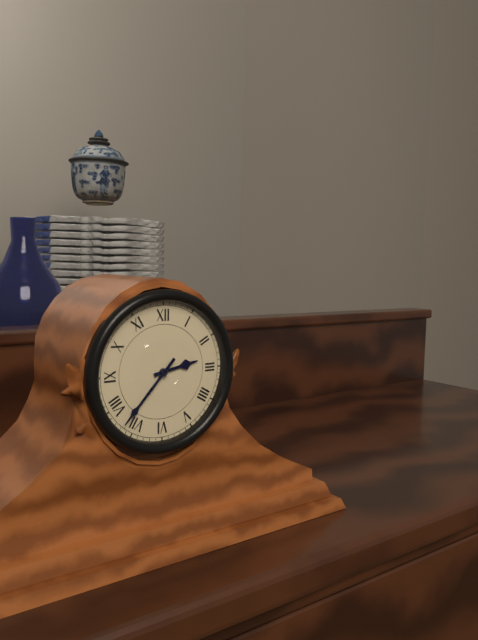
2:37
